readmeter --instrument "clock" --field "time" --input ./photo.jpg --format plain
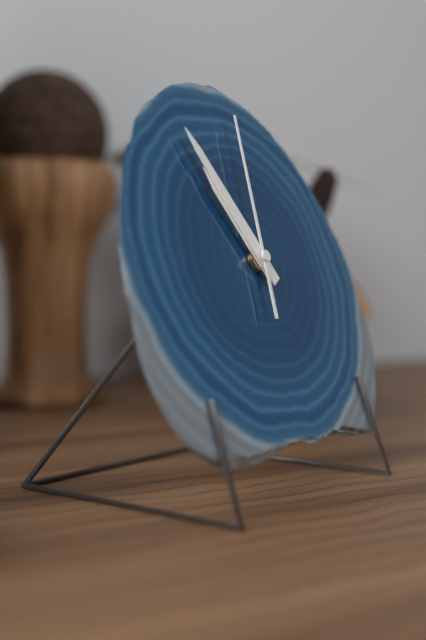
10:55:01
